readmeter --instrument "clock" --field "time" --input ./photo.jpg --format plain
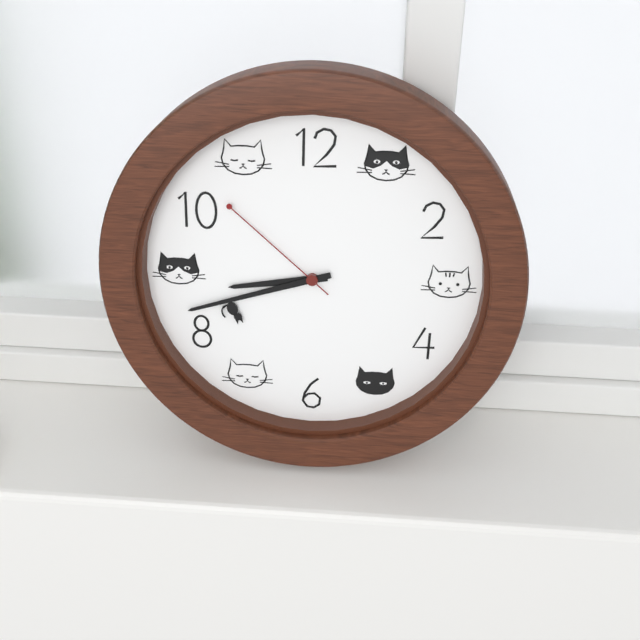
8:42:52
